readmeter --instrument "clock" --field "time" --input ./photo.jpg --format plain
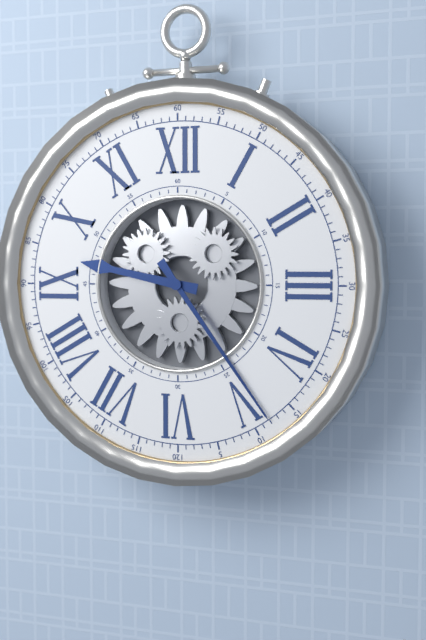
9:24
